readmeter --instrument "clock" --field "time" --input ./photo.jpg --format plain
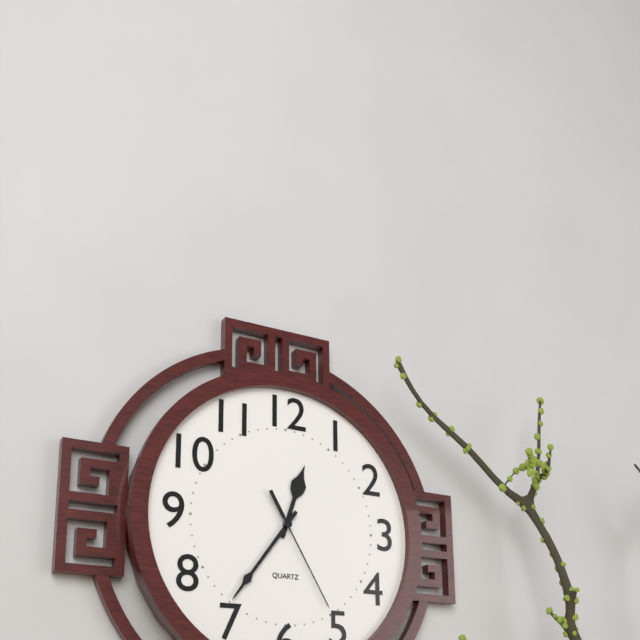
12:36:25
